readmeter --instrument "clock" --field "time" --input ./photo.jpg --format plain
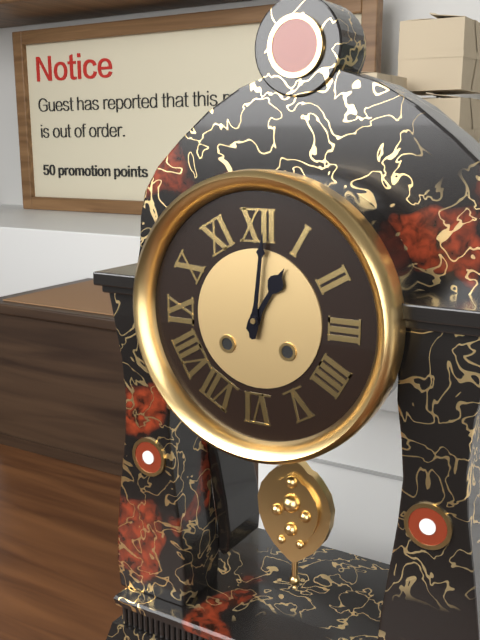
1:01
